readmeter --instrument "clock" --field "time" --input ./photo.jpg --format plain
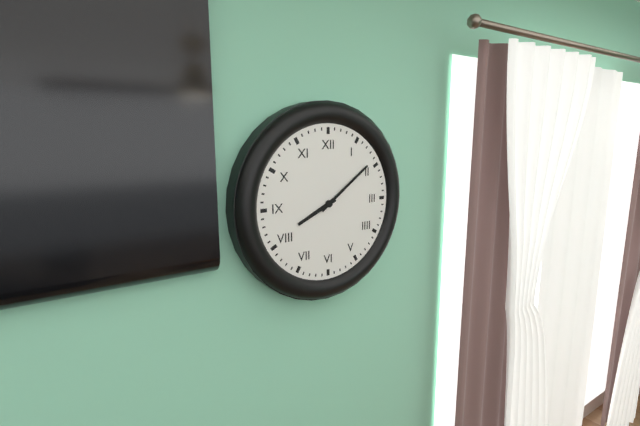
8:09
